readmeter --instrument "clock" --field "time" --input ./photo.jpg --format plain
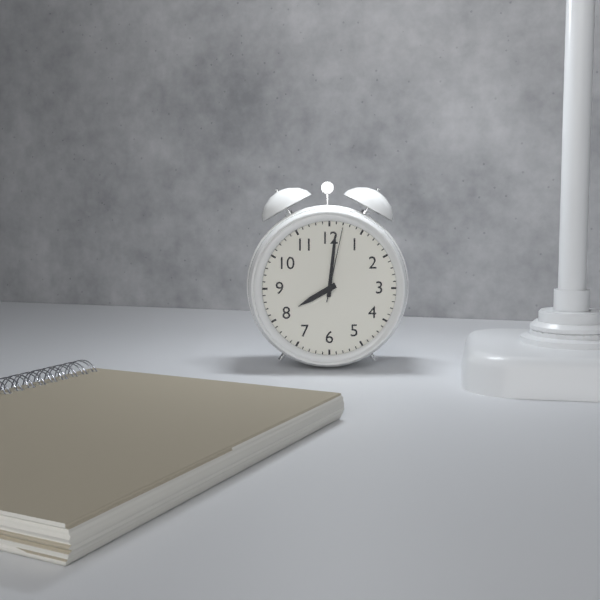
8:01:02
